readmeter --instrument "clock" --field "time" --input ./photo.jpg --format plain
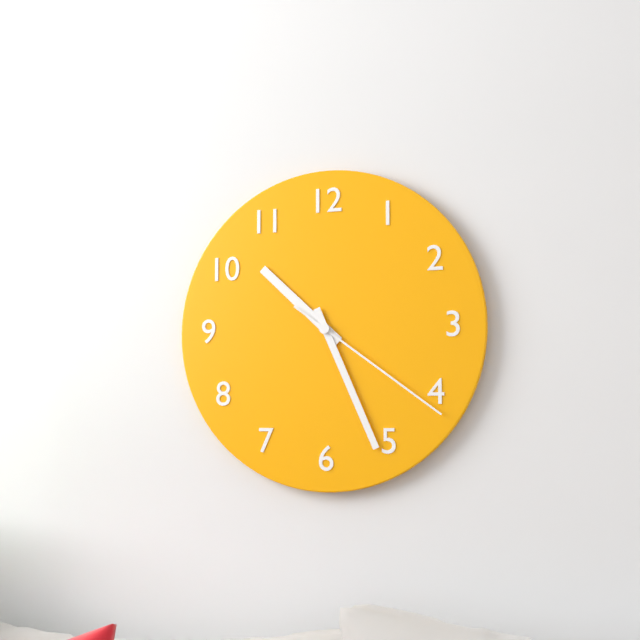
10:26:21
